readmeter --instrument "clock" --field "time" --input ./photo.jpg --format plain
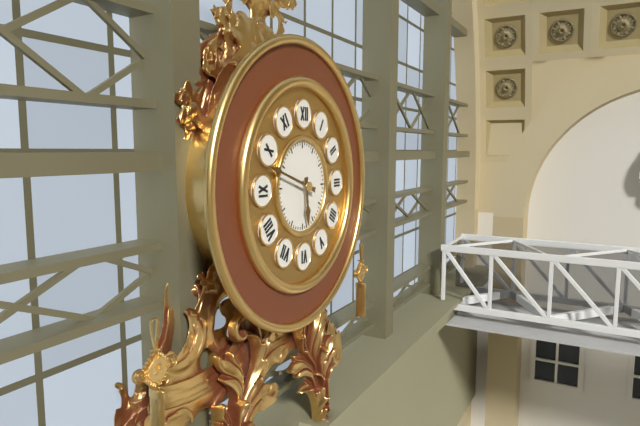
5:48
